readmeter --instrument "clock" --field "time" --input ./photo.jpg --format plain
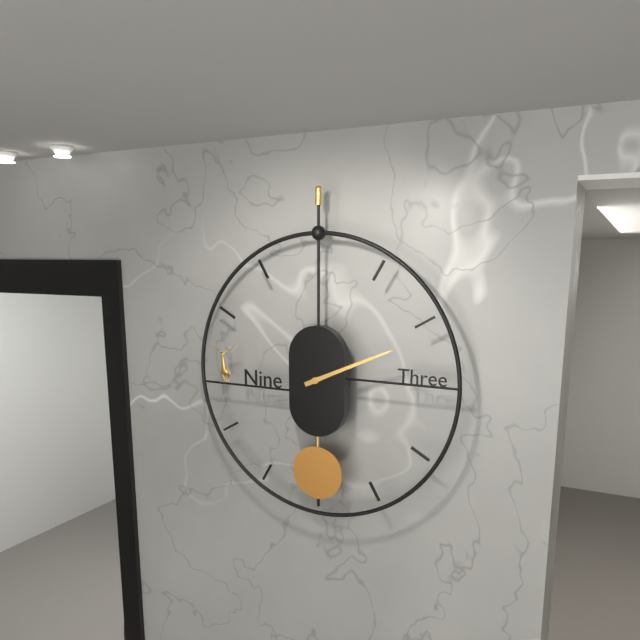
2:11
